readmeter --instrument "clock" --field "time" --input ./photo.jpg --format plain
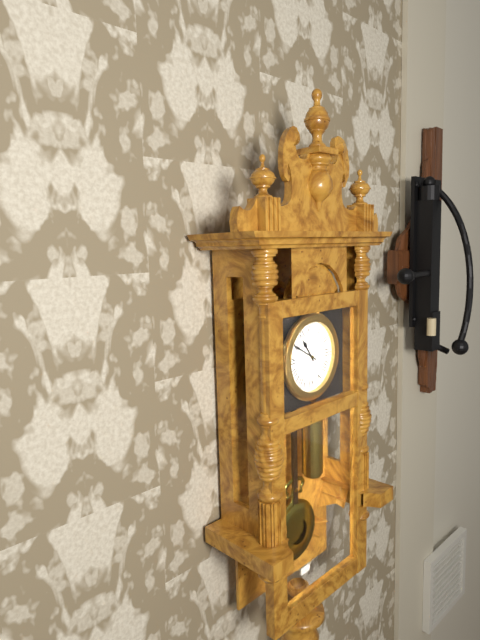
10:50
